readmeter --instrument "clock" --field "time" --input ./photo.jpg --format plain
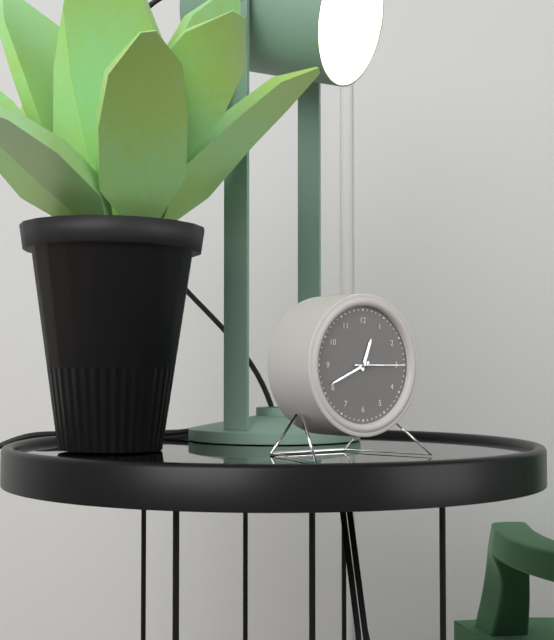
12:41
